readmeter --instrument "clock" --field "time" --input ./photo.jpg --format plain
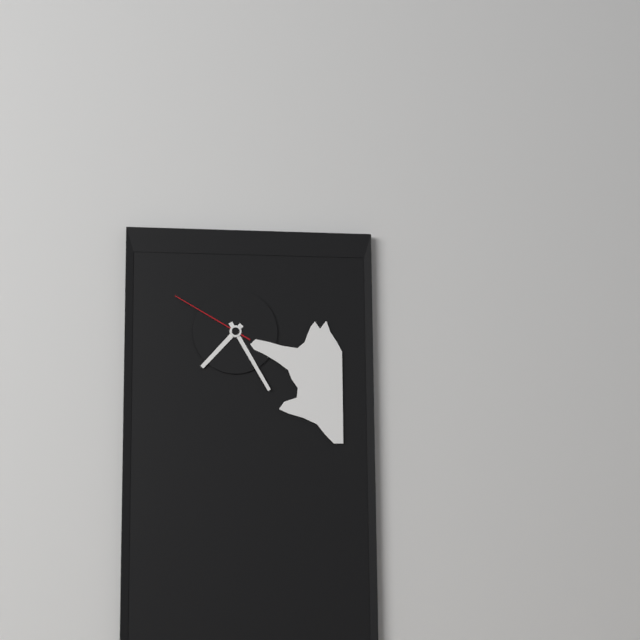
7:25:50
